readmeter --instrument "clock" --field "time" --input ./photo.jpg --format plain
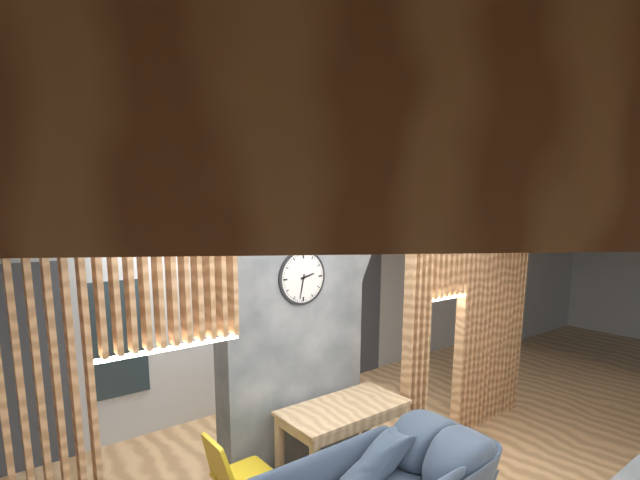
2:32
